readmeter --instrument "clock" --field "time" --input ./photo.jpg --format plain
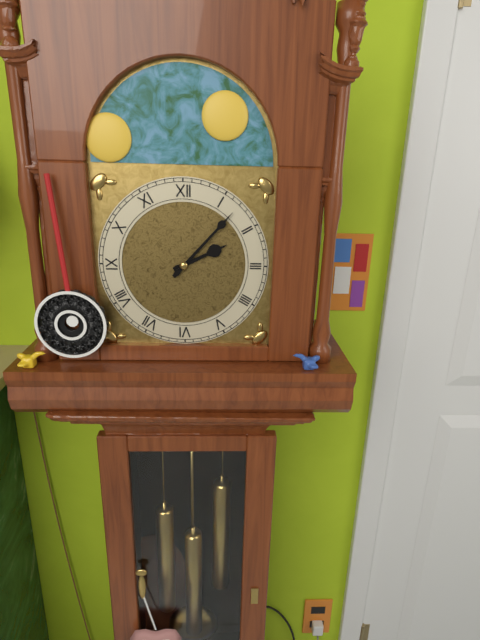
2:07
